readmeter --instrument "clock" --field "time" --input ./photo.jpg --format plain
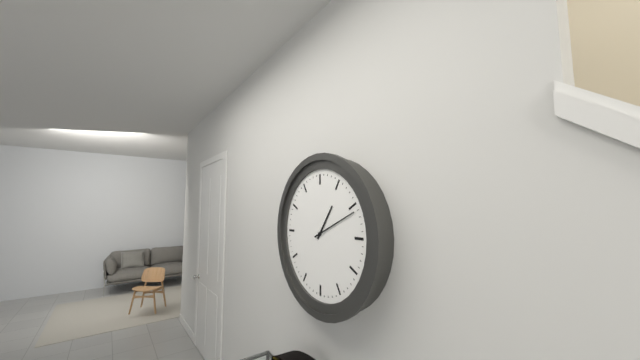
1:11
